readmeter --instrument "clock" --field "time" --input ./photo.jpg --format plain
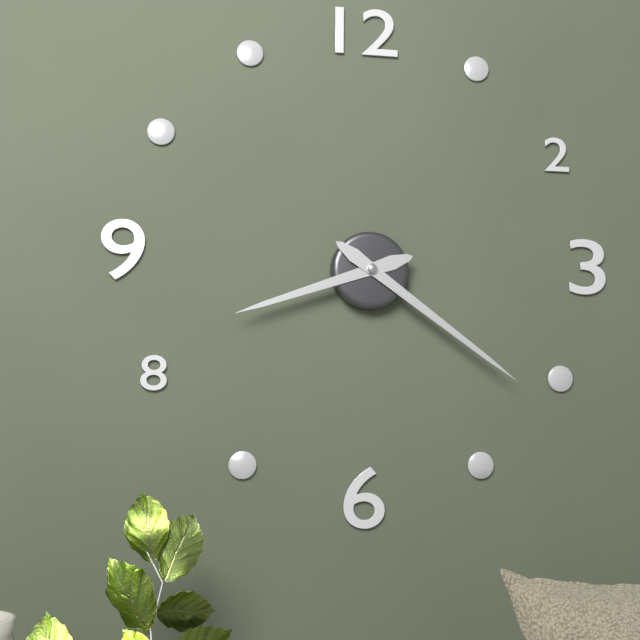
8:21
